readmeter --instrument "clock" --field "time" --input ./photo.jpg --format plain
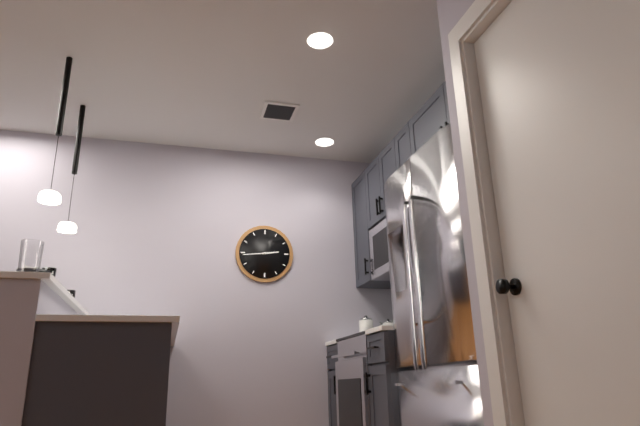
2:44
